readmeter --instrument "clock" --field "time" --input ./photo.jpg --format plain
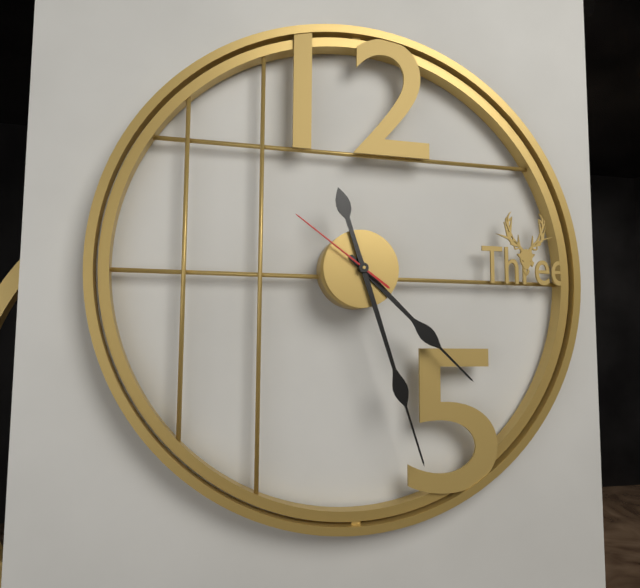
4:27:51
